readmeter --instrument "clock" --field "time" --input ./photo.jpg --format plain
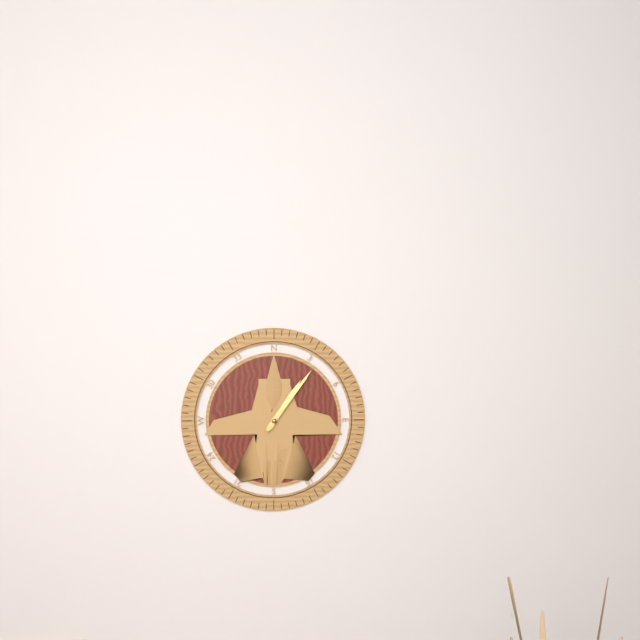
1:06
